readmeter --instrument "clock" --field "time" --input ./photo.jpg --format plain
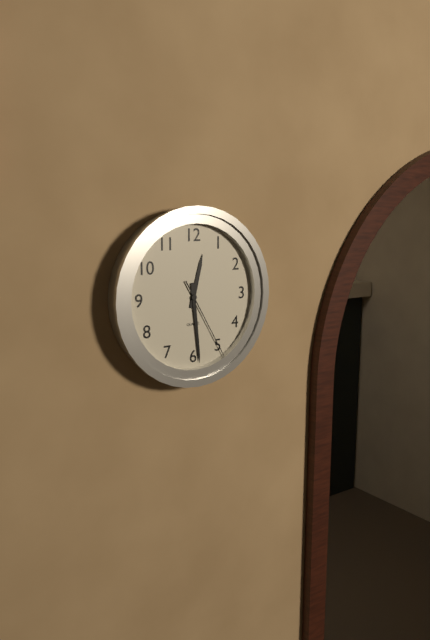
12:29:25
